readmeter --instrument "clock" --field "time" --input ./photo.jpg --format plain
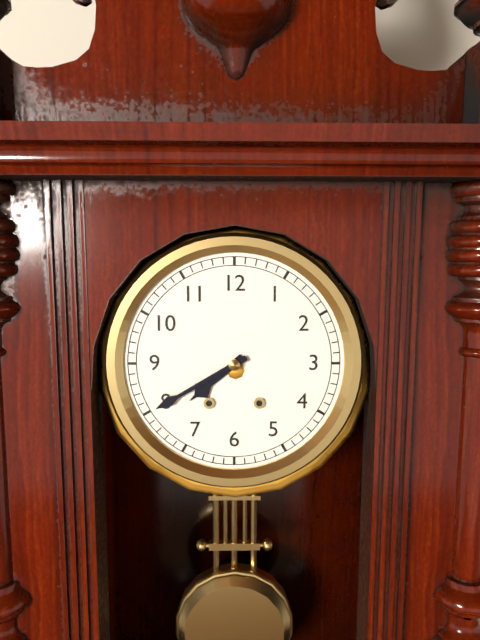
7:40
